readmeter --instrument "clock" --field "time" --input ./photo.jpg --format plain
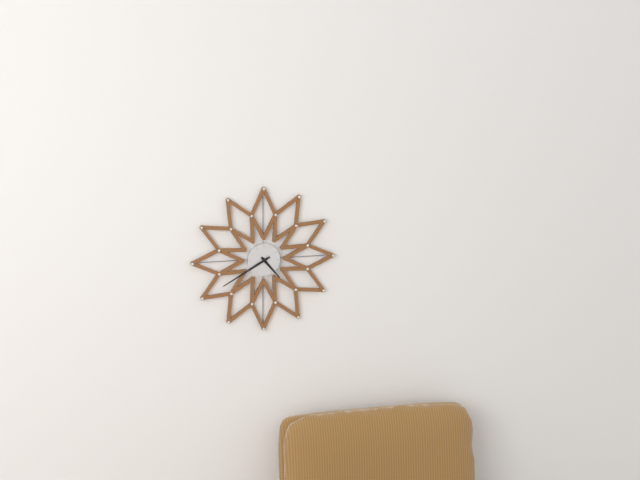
4:40
